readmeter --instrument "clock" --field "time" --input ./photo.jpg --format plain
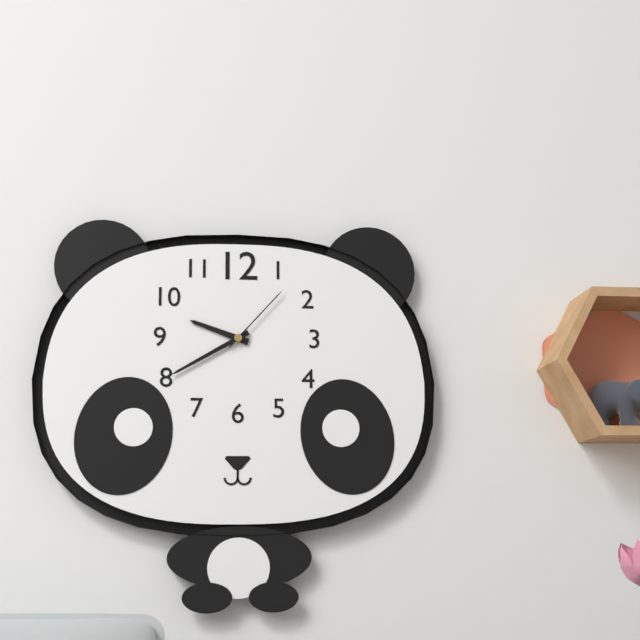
9:40:07
